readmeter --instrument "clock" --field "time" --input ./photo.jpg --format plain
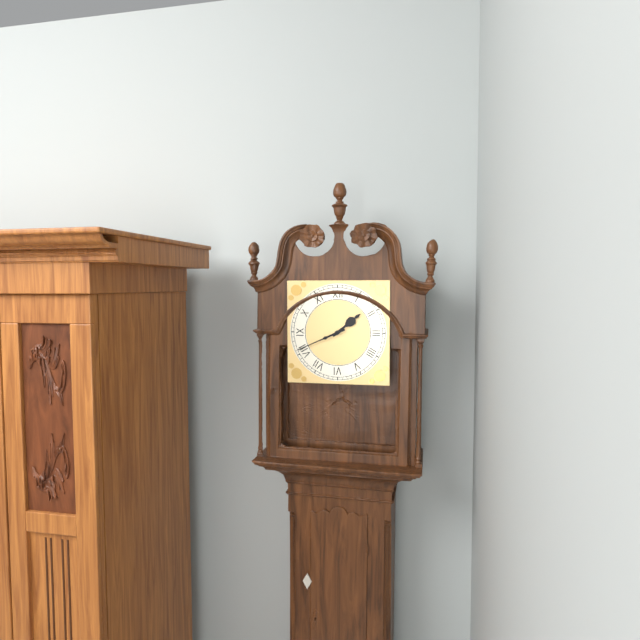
1:41
